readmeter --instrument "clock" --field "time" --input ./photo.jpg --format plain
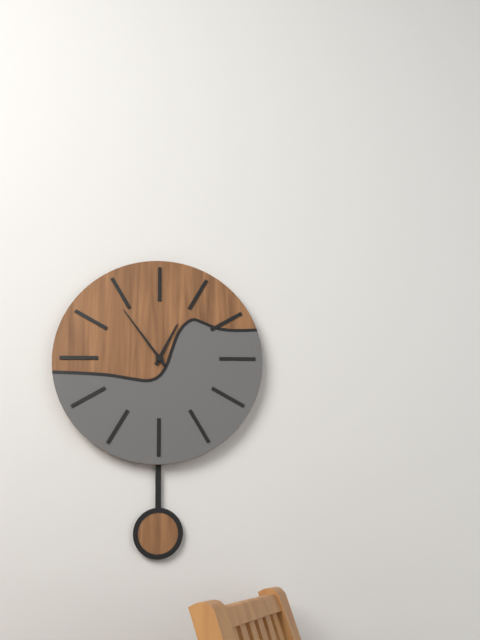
12:54
